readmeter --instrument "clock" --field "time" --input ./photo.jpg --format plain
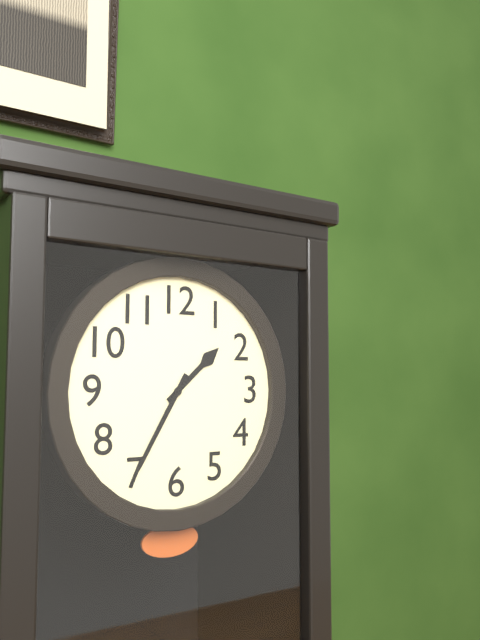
1:35
